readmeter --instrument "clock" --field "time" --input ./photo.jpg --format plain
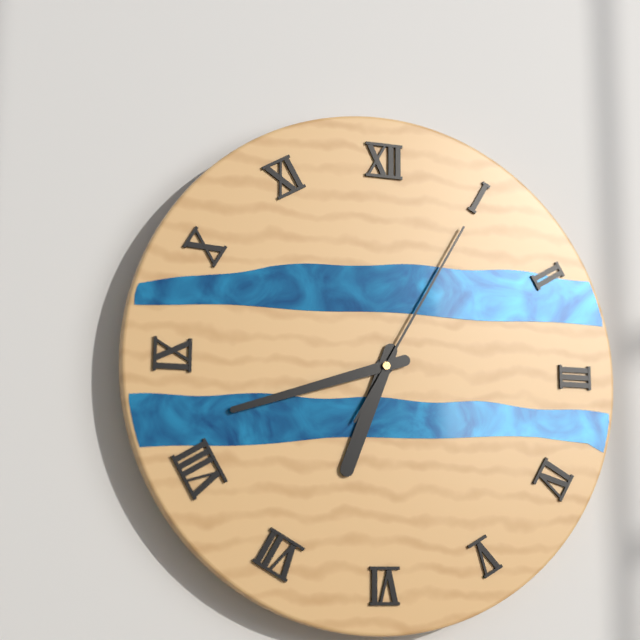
6:42:05
